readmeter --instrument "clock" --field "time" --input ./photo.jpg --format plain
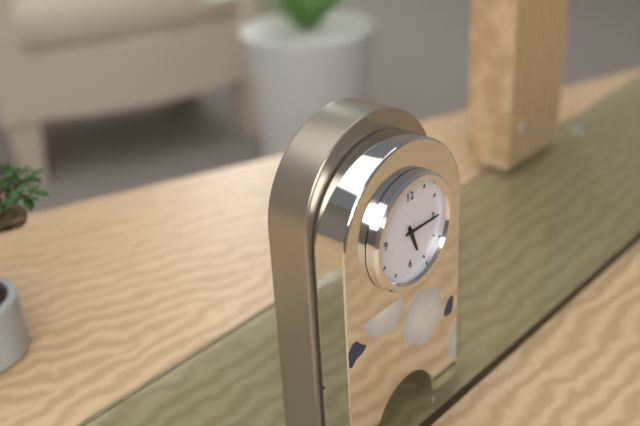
5:15
